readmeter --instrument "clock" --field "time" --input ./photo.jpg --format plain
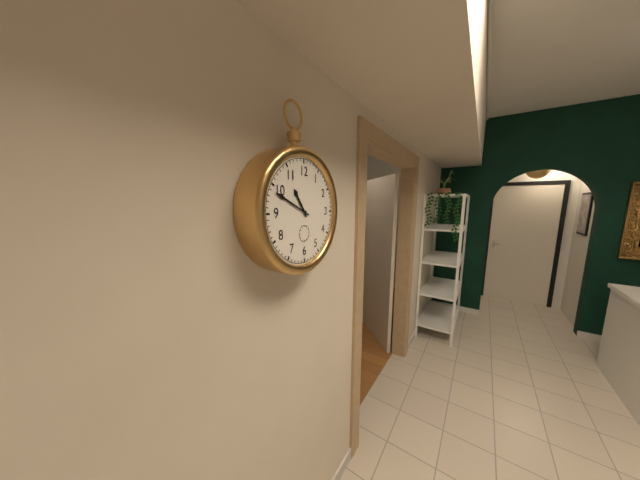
10:49
